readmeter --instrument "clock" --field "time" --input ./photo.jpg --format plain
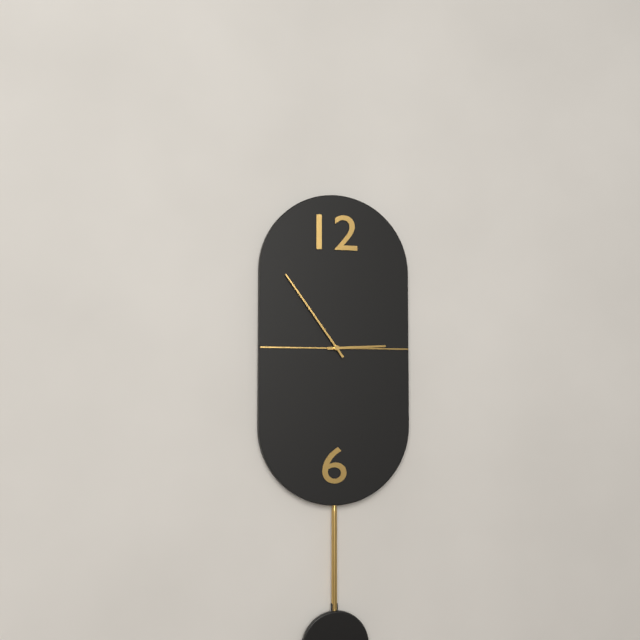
2:54
